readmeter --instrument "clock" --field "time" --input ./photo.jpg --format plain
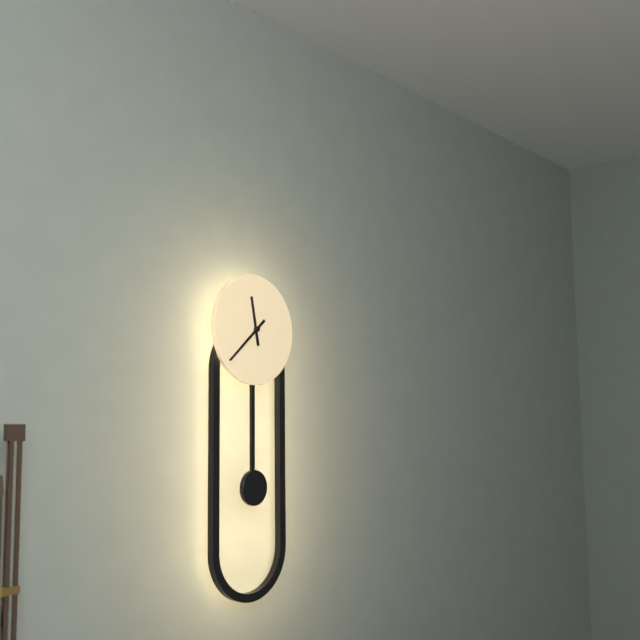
11:38
